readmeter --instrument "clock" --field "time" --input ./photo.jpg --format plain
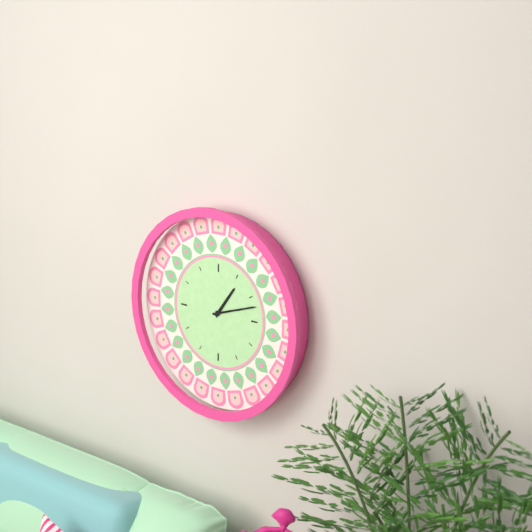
1:12
